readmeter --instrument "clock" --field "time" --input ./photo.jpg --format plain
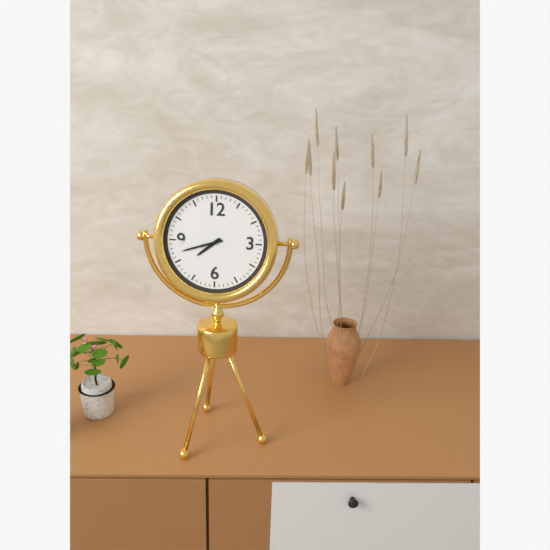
7:42
